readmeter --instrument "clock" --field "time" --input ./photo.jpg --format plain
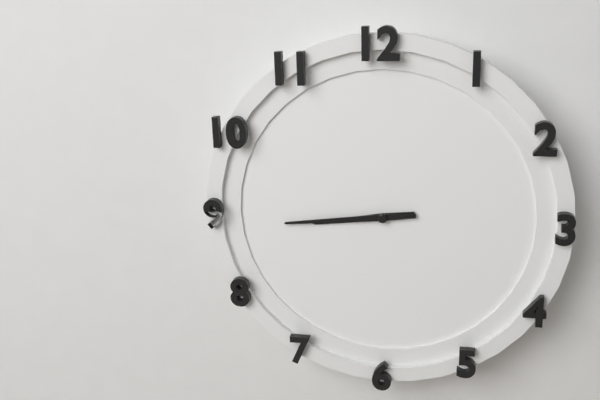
8:44
